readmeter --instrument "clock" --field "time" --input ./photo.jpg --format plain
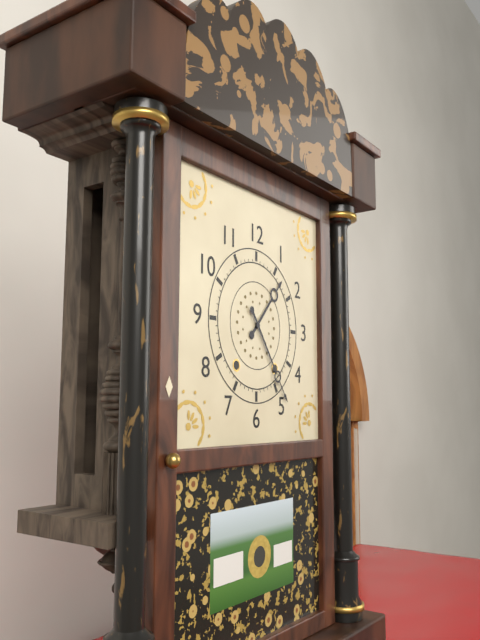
1:24
